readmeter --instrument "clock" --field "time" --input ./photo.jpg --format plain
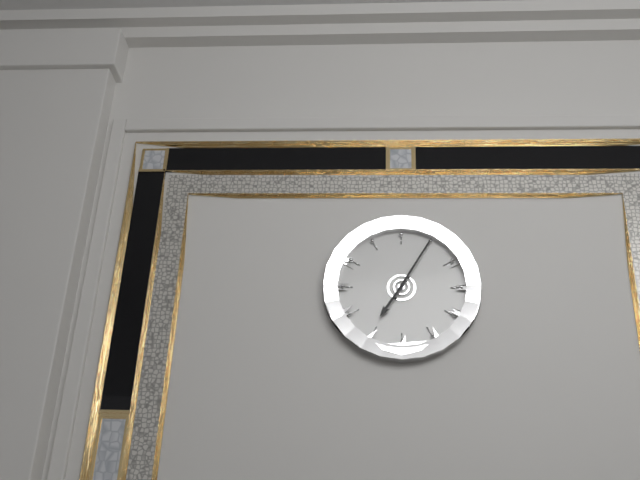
7:05
